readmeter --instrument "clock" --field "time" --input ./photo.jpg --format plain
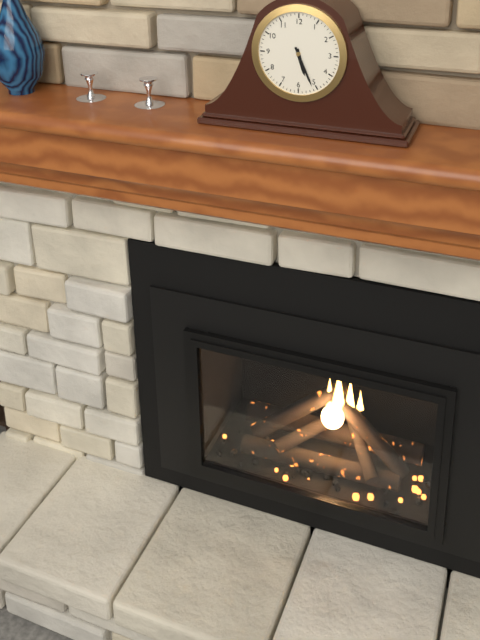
5:26
